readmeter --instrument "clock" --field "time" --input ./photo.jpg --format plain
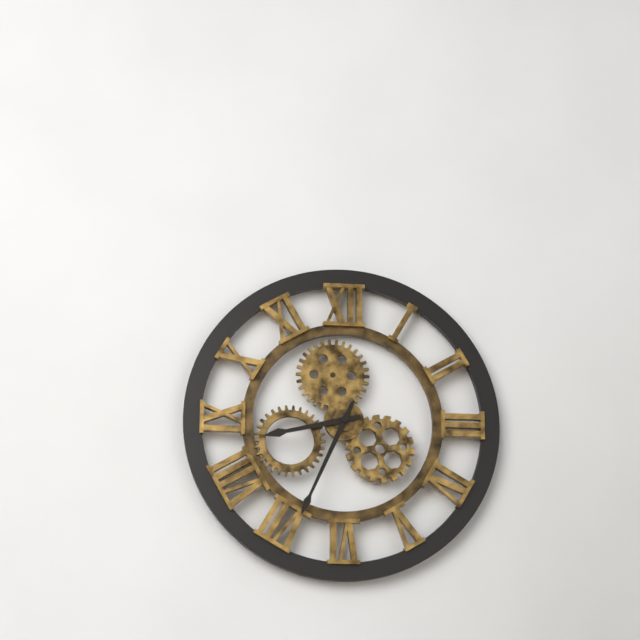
8:34
